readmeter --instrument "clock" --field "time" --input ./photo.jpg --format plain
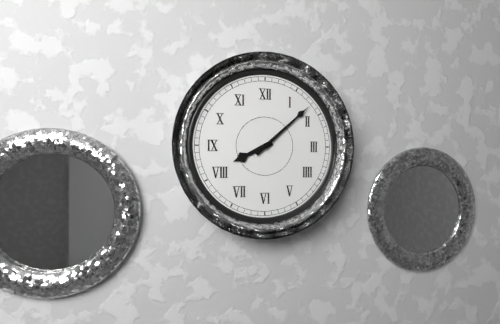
8:08
